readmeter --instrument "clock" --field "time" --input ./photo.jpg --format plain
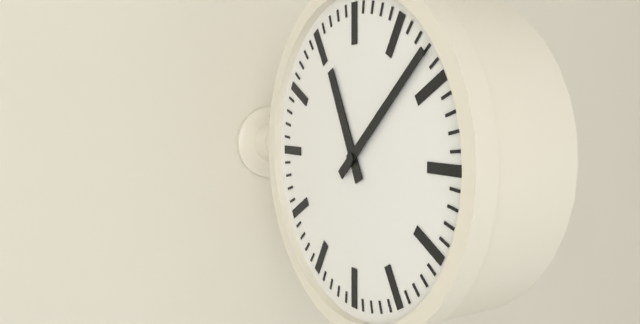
11:08
